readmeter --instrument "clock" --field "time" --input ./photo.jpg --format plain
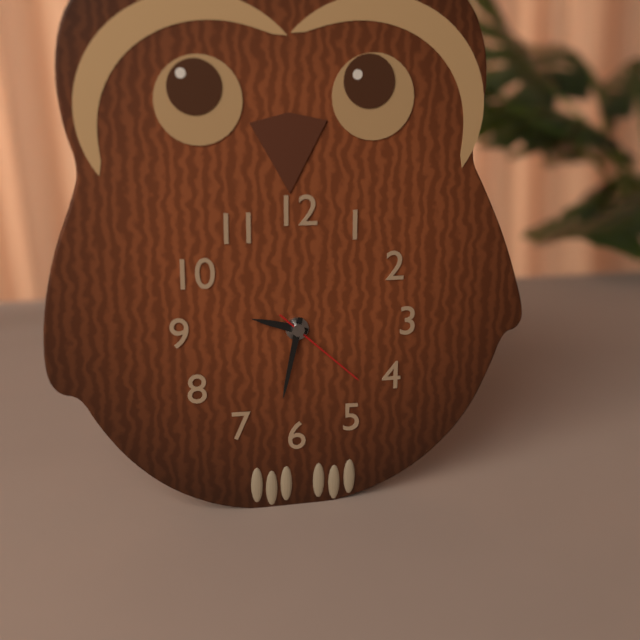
9:32:22
